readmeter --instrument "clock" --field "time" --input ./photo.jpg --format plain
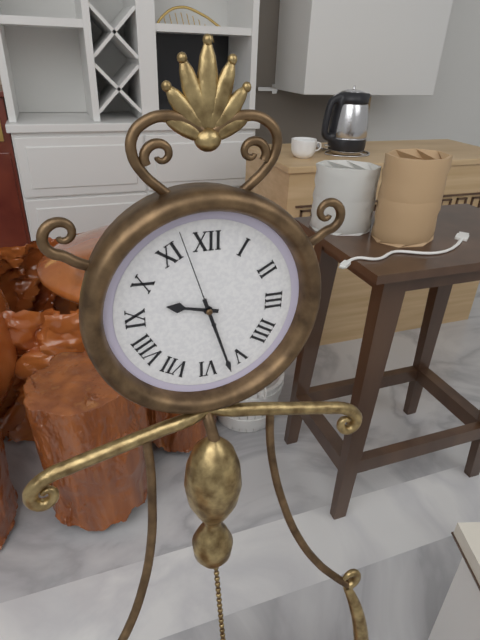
9:27:57
